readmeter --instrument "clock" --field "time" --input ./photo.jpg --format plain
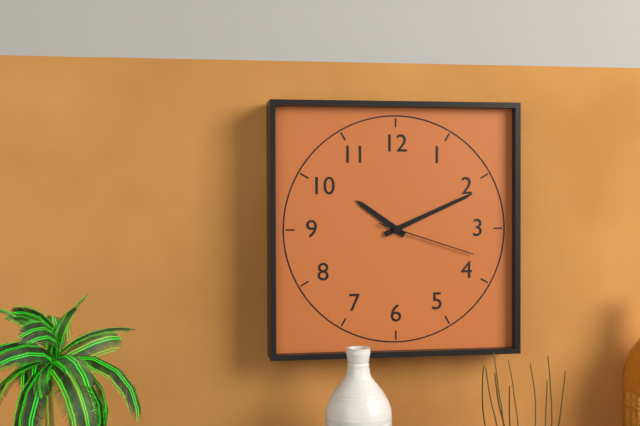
10:11:18
